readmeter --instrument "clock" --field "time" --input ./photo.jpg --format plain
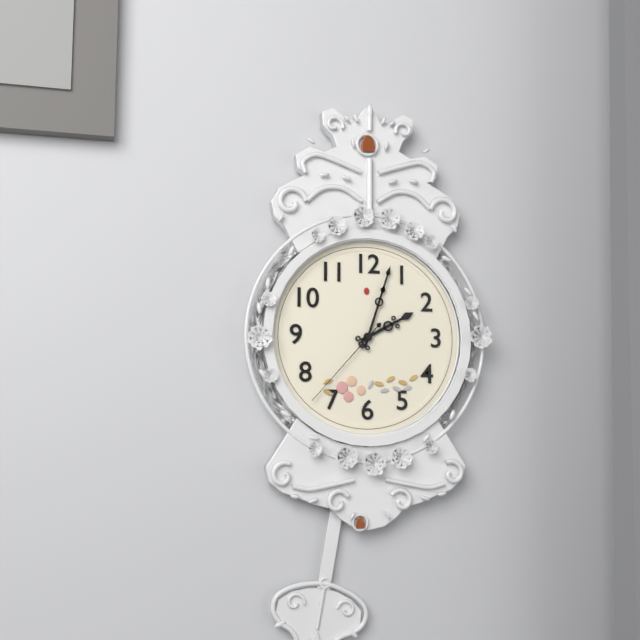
2:03:37
